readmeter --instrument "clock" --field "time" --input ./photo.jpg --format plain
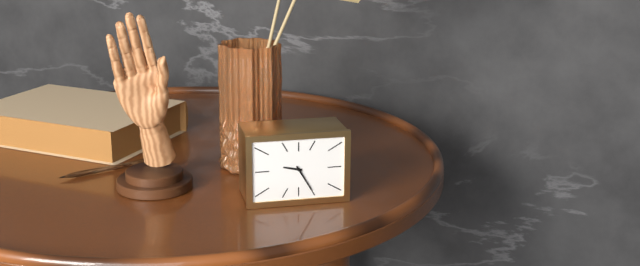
9:25
